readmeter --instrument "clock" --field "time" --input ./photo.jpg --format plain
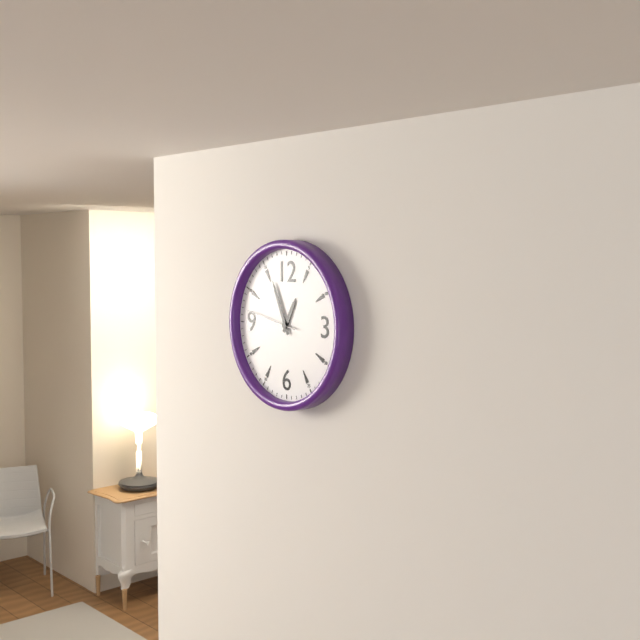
12:56:47
